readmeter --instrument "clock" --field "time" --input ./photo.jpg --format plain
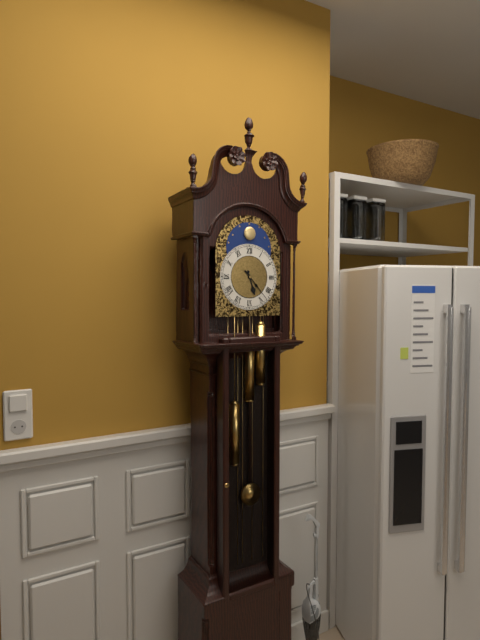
5:23
